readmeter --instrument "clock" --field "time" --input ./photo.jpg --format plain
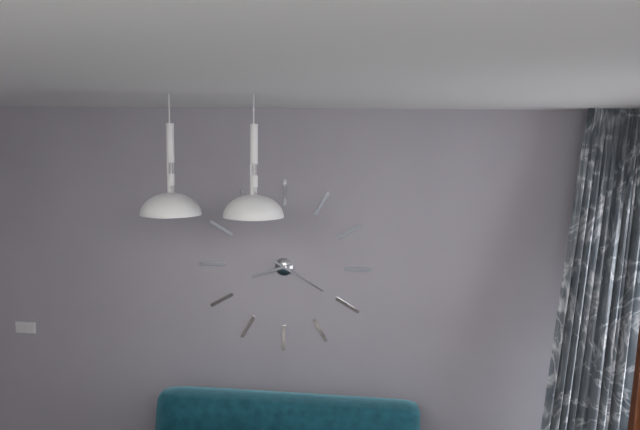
8:20
